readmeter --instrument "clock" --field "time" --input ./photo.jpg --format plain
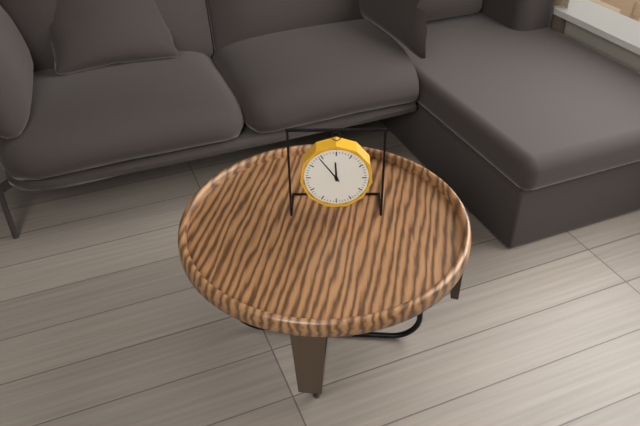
11:54
